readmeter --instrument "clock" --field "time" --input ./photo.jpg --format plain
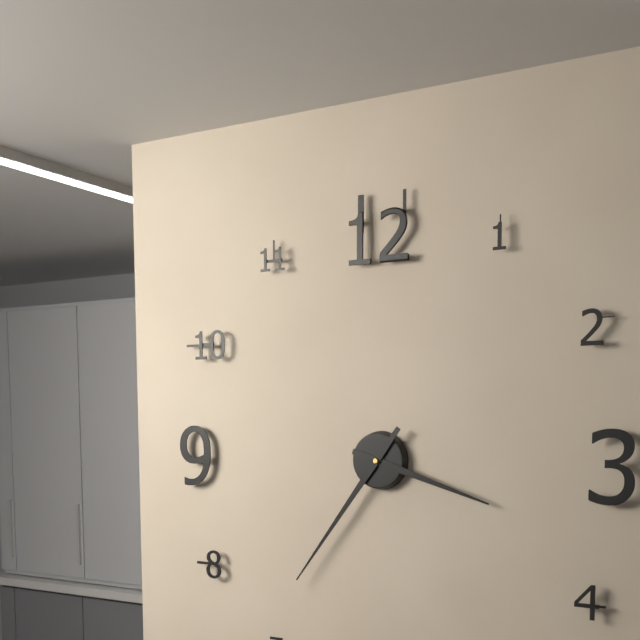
3:36
